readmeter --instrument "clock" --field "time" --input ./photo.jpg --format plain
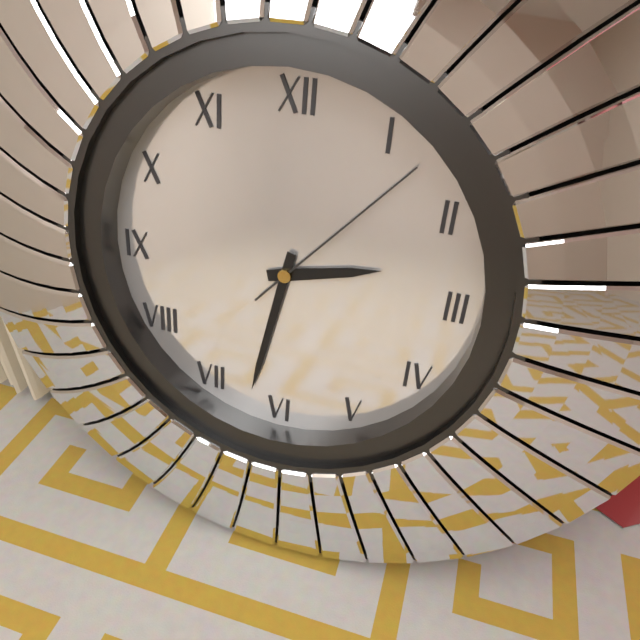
2:32:07
